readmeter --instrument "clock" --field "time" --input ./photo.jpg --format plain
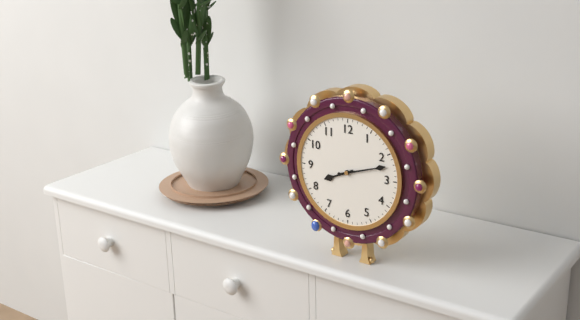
8:12
